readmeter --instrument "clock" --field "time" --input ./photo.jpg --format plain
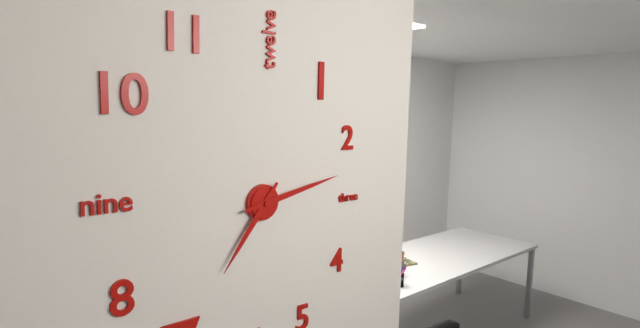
7:13
